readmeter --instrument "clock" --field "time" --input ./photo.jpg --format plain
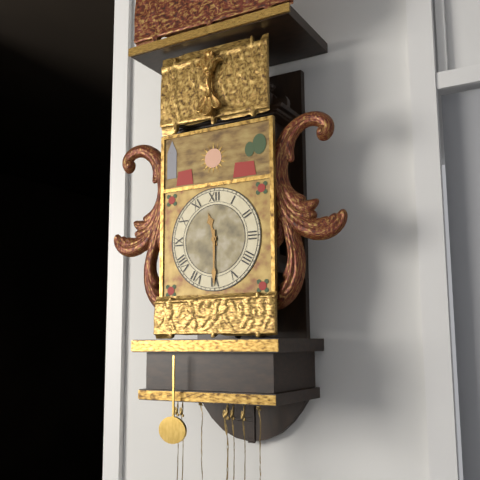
11:30
